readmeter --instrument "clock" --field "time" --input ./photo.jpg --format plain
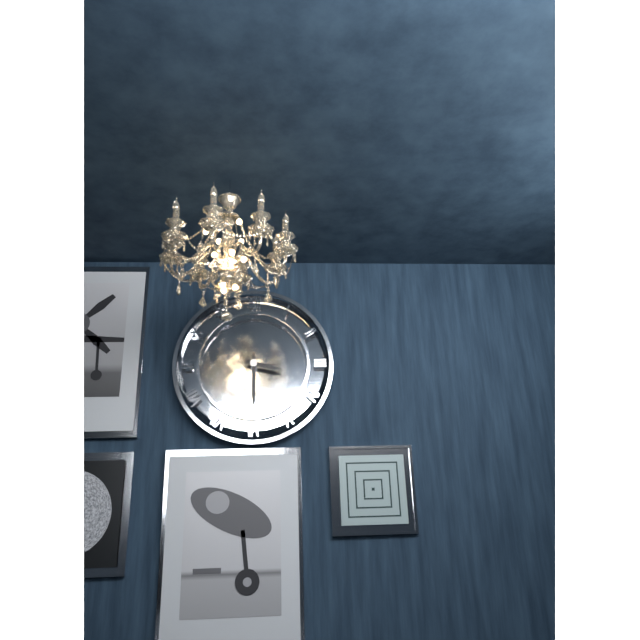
3:30
